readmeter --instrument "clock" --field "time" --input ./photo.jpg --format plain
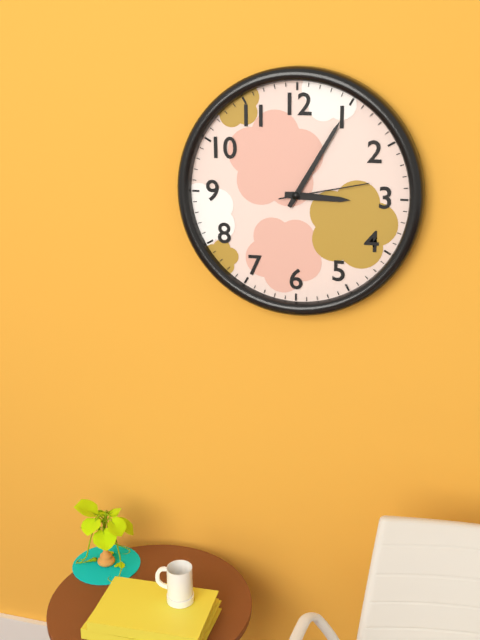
3:05:13
